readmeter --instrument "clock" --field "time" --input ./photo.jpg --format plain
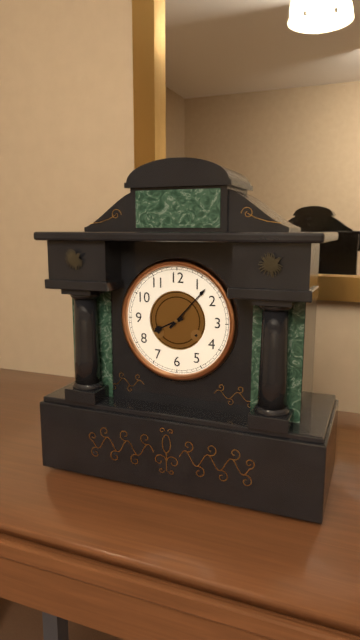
8:07
